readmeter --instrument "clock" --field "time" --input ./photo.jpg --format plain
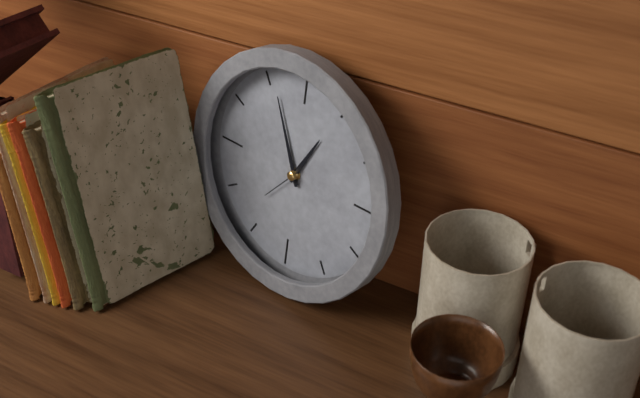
12:56
